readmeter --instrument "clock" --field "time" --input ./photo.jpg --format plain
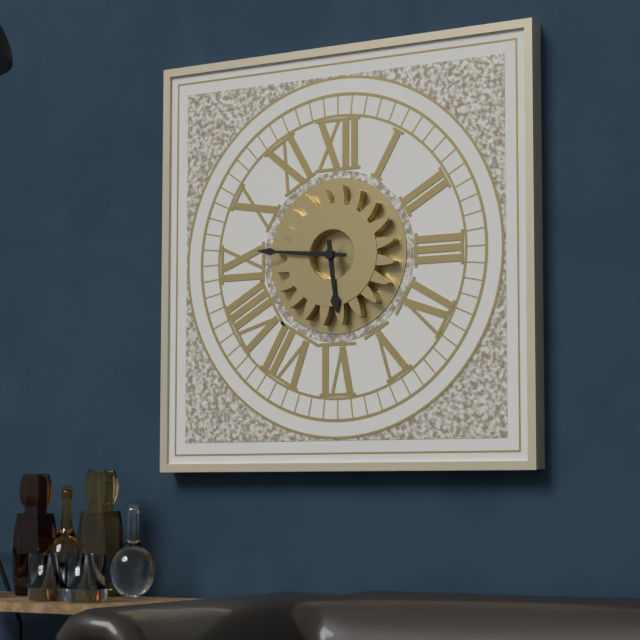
5:46
